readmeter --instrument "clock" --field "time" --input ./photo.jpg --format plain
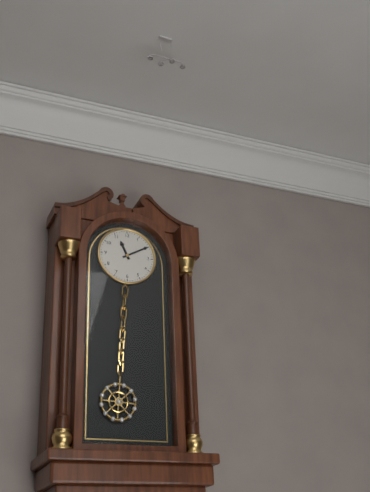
11:10
